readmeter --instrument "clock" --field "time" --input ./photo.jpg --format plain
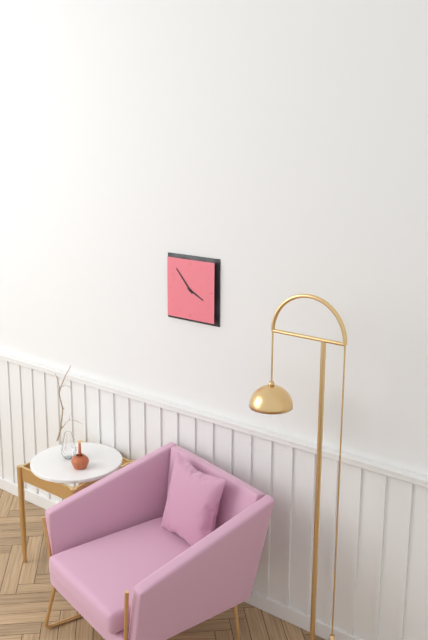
3:53
